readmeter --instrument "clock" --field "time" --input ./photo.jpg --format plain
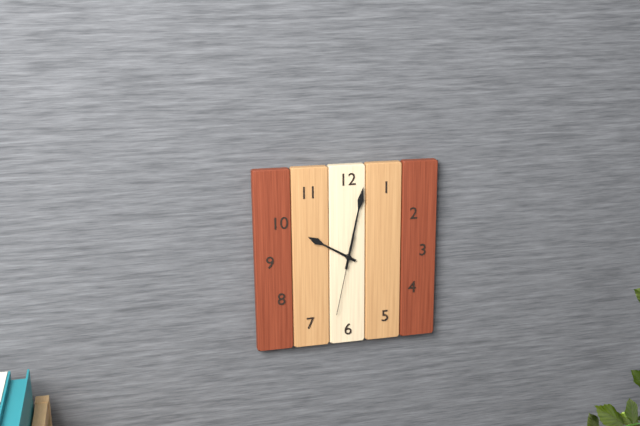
10:02:32
